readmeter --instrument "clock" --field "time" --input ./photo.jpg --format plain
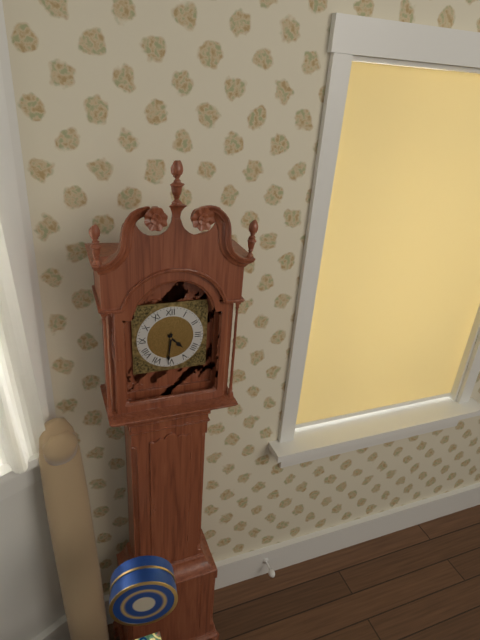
4:31
